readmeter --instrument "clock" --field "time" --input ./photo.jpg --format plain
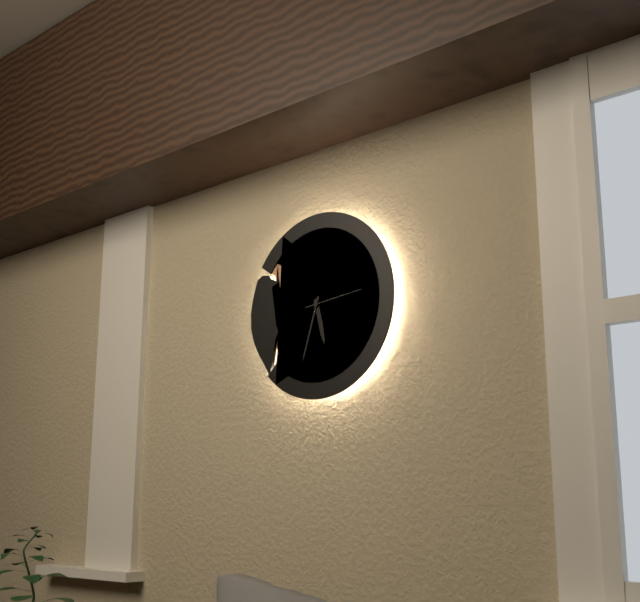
5:33
